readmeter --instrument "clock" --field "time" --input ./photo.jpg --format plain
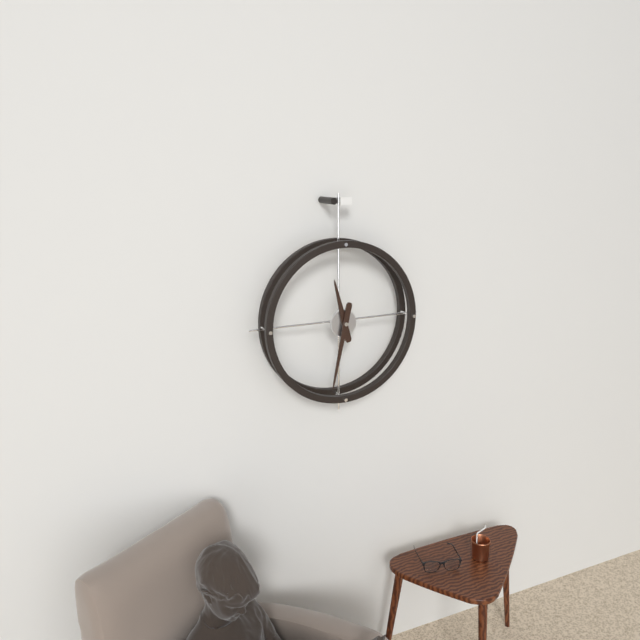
11:32
